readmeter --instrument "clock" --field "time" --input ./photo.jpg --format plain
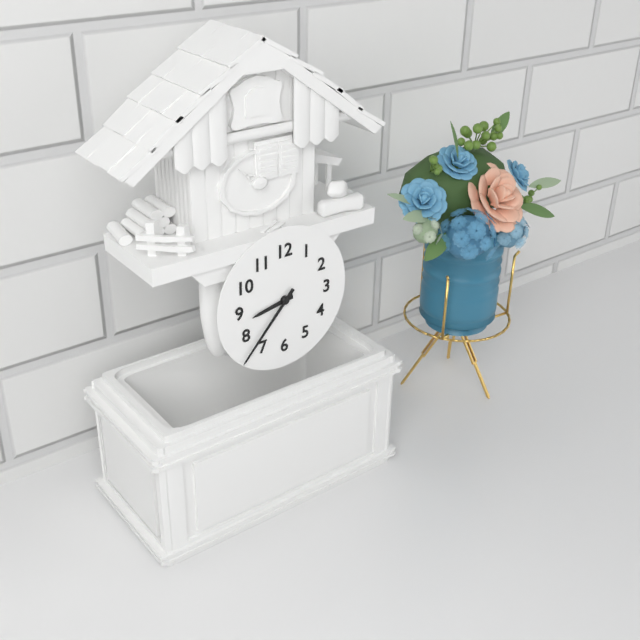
8:37
